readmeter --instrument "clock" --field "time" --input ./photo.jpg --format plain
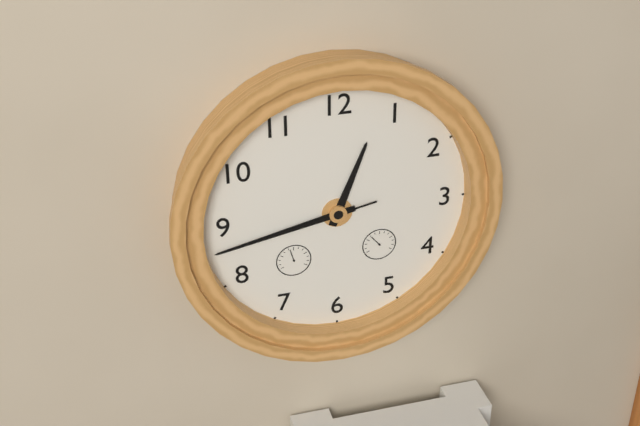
12:43:43
